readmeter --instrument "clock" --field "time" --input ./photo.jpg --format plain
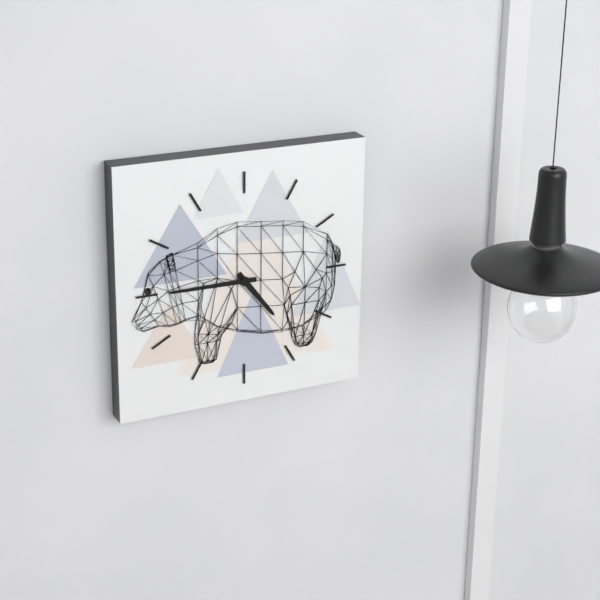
4:45
